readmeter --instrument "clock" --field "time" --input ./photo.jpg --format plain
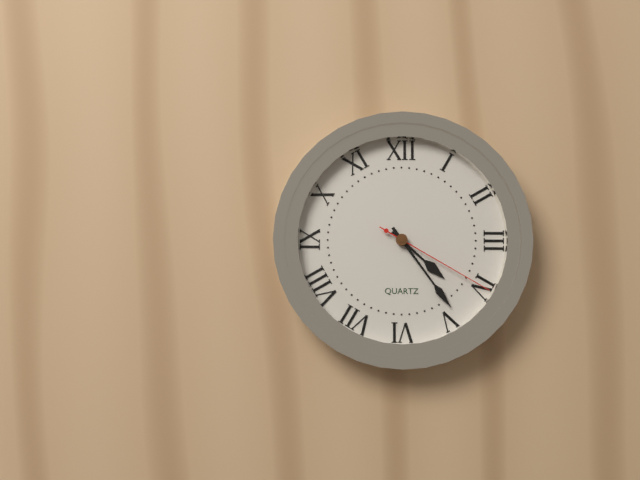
4:24:20
